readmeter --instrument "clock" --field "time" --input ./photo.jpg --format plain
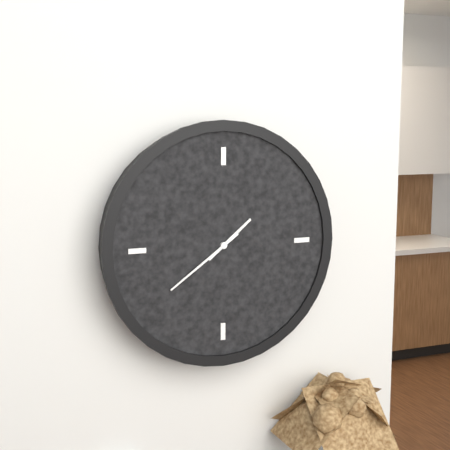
1:39
